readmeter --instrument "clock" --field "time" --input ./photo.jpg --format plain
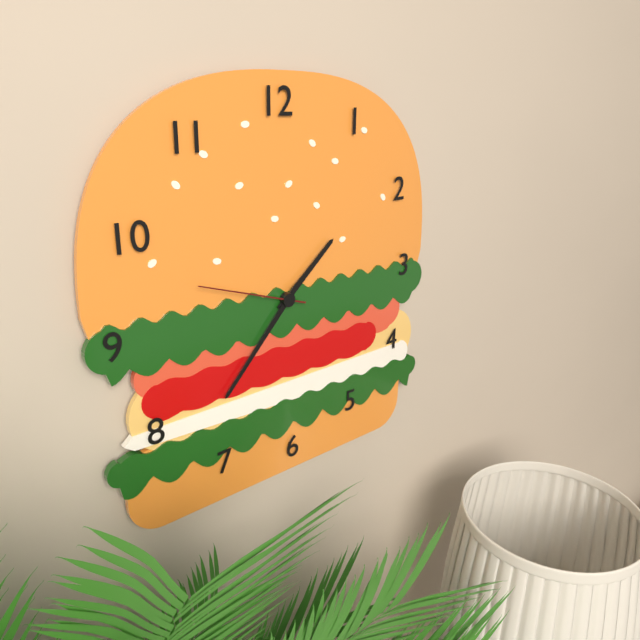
1:37:48
